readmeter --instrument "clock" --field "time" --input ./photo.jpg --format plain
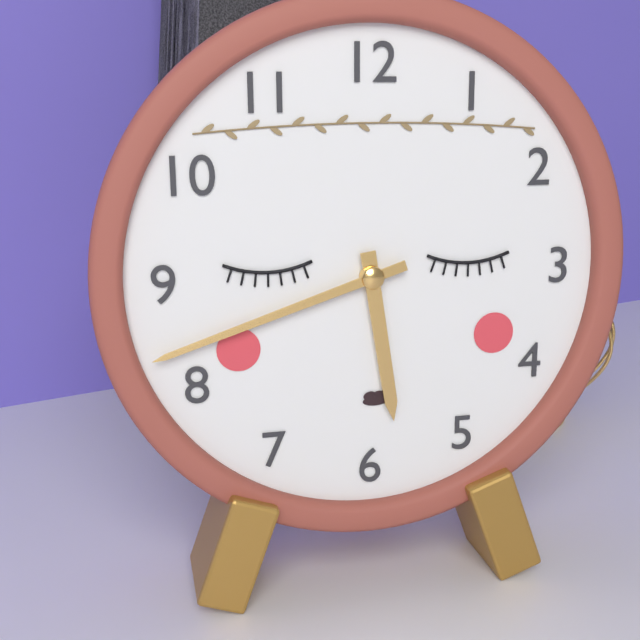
5:42
